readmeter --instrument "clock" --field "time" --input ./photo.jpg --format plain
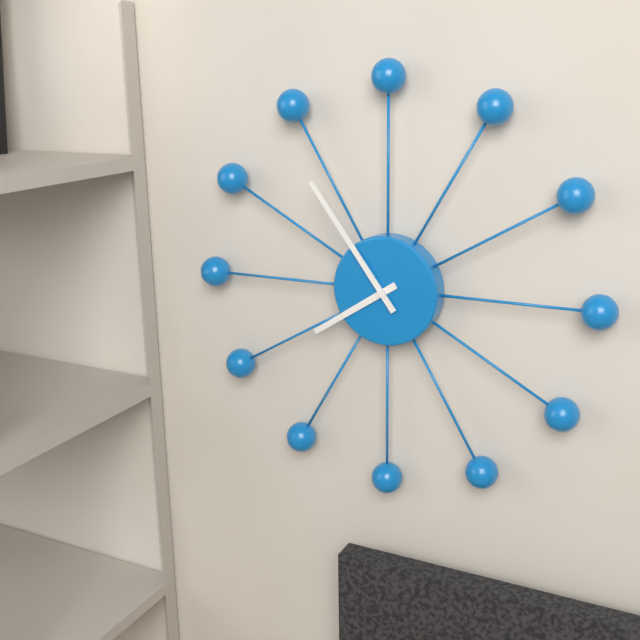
7:54
